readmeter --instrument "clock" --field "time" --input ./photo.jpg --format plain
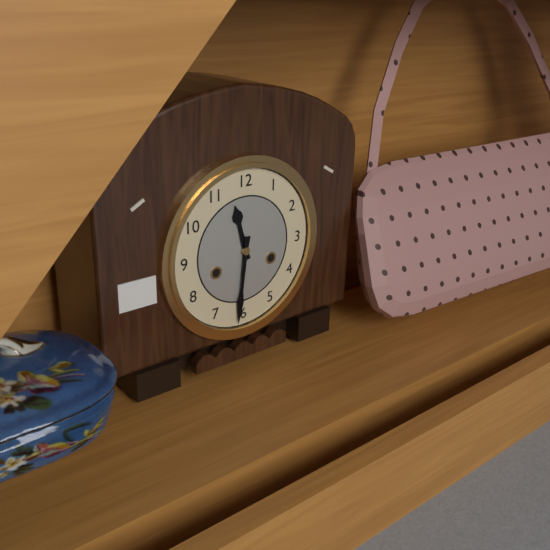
11:31
